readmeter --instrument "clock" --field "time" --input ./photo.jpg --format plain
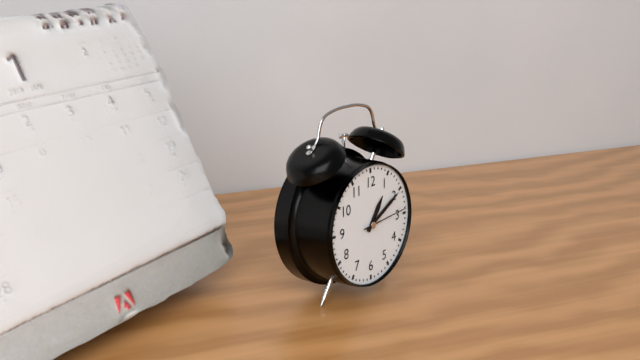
1:10
